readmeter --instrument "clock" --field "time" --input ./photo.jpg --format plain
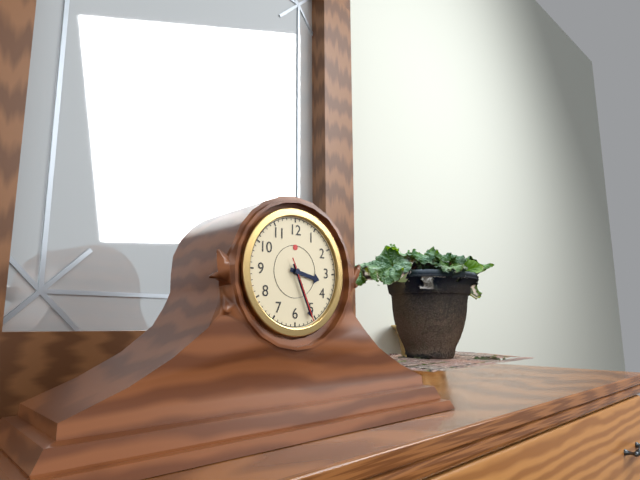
3:26:26
